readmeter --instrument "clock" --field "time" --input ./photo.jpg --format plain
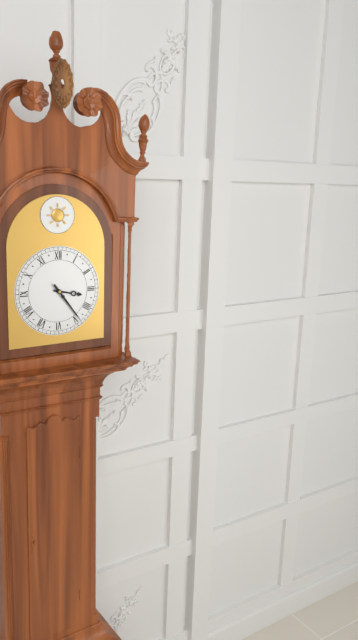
3:24
